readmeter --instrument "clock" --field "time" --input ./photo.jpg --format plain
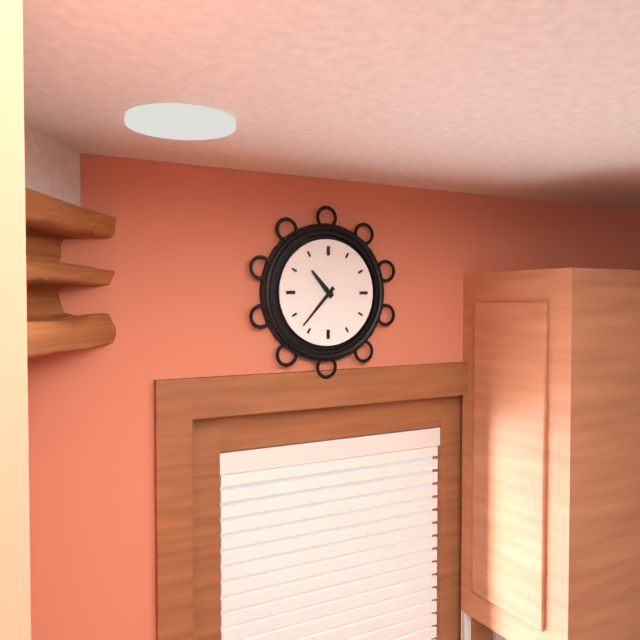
10:37
